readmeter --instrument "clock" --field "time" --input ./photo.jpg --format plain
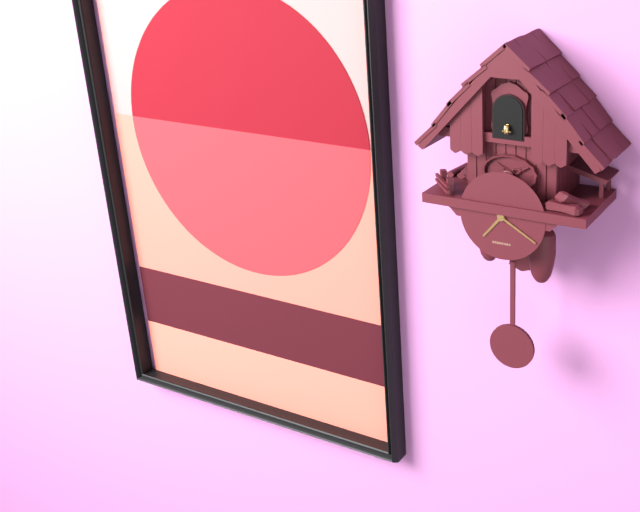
7:20
